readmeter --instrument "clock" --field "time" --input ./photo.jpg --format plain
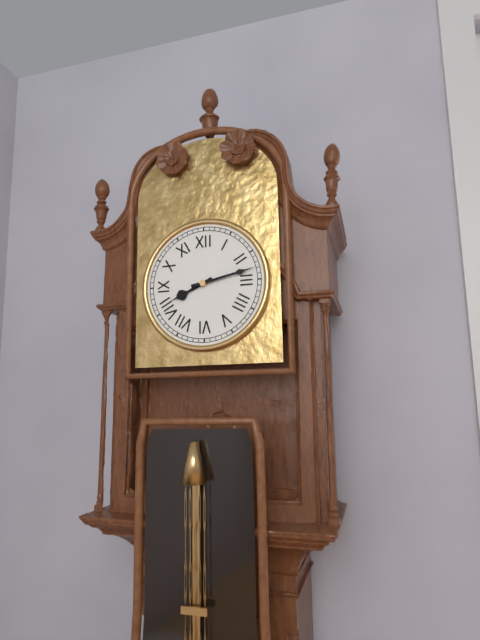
8:13
